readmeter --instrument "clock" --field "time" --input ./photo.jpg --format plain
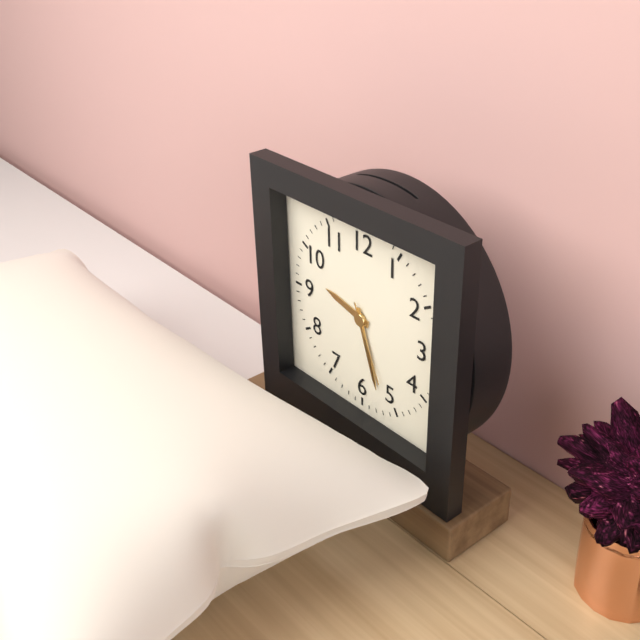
9:27:26
